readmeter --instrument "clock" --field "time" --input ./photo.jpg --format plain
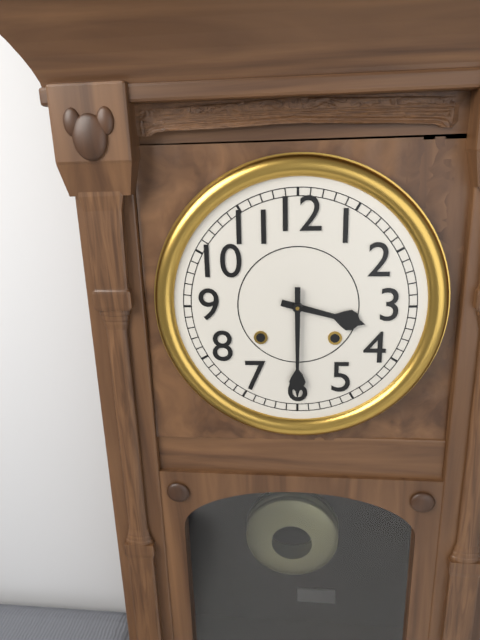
3:30
